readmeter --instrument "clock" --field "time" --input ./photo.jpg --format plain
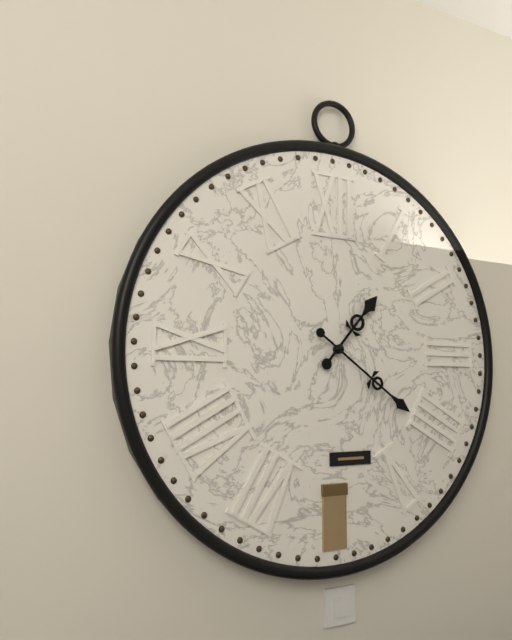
1:21
